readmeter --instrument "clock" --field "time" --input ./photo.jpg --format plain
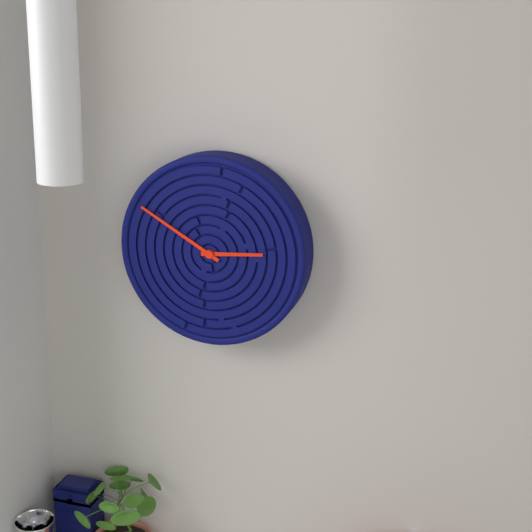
2:50
